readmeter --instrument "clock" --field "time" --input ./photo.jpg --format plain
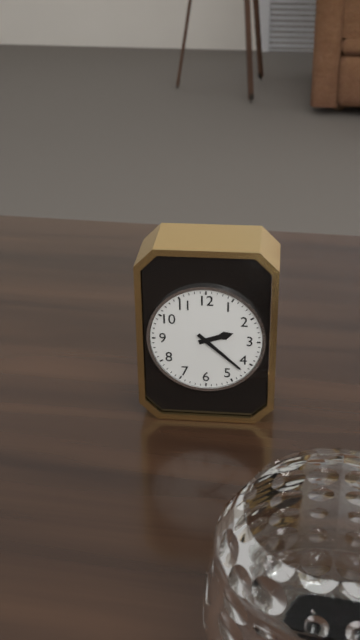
2:22
